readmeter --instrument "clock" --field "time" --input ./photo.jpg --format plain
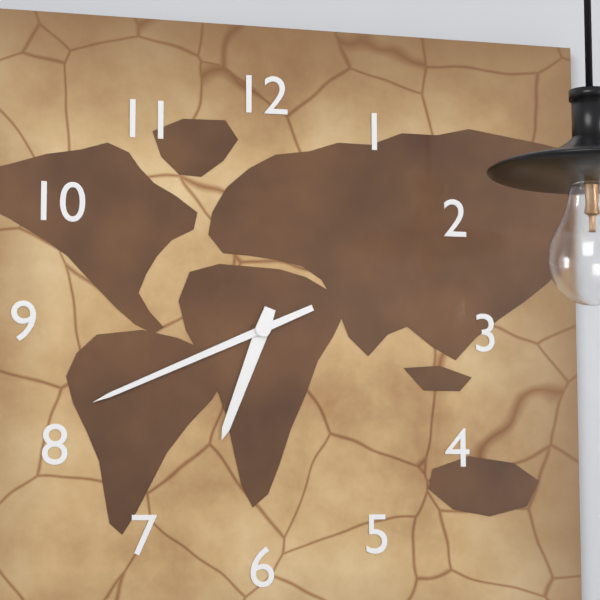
6:41
